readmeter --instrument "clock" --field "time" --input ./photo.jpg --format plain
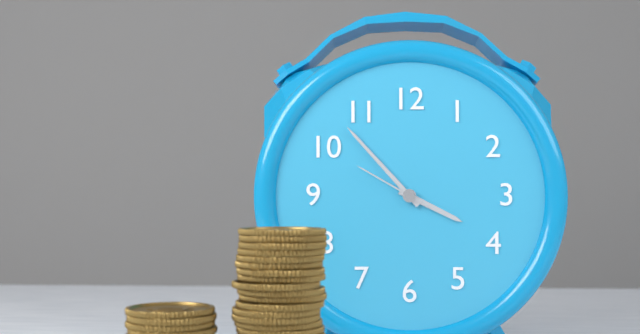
3:53:50
